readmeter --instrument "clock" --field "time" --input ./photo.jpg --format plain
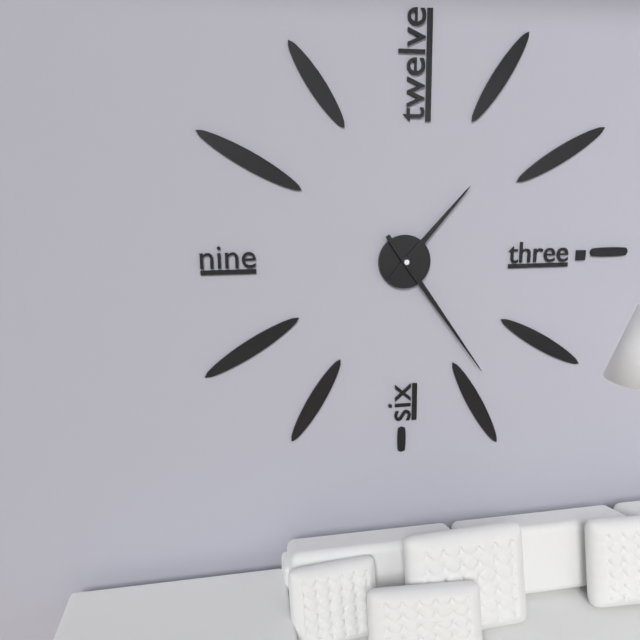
1:24
